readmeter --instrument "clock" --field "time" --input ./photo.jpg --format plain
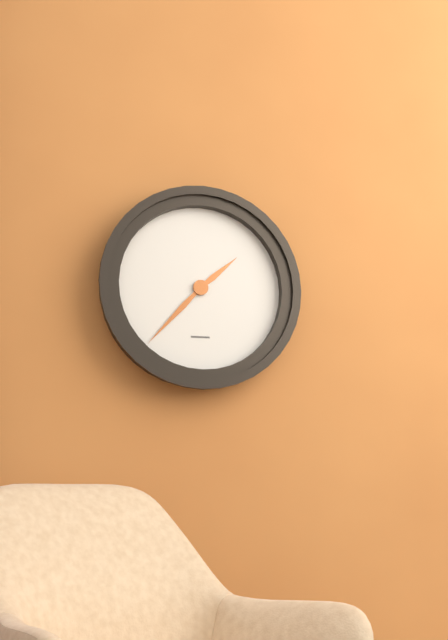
1:37
